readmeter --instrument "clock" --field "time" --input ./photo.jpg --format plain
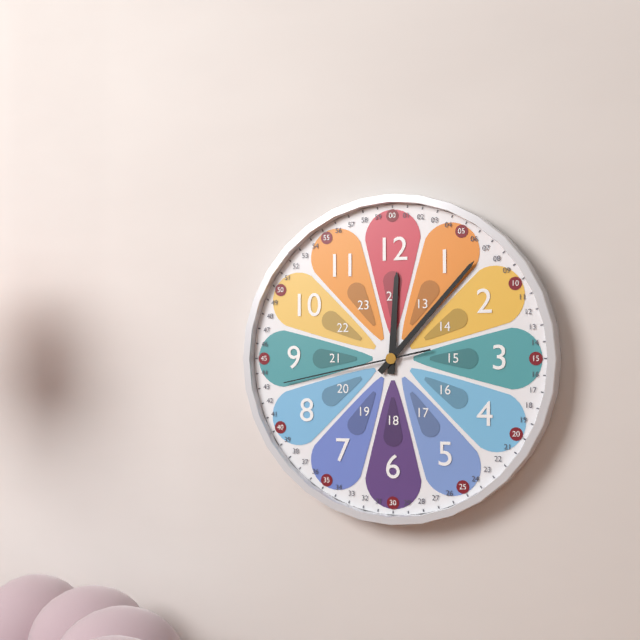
12:07:43
